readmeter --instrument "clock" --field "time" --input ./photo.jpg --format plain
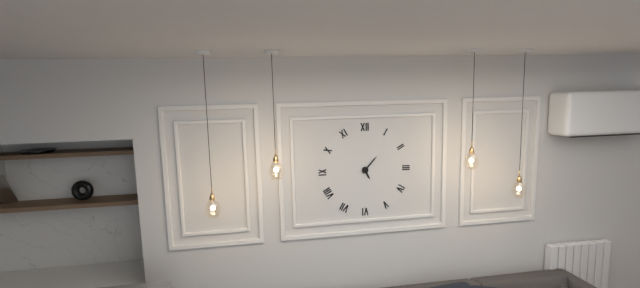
5:07
